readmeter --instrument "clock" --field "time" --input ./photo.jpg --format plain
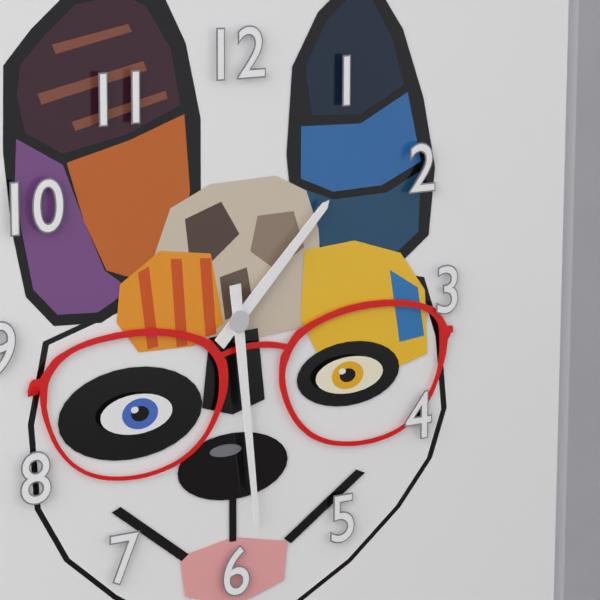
1:29
